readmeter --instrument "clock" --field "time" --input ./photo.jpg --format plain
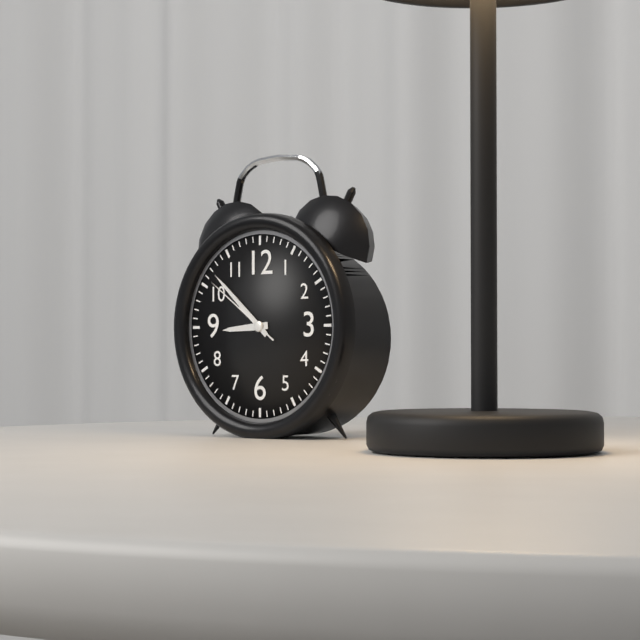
8:52:51
